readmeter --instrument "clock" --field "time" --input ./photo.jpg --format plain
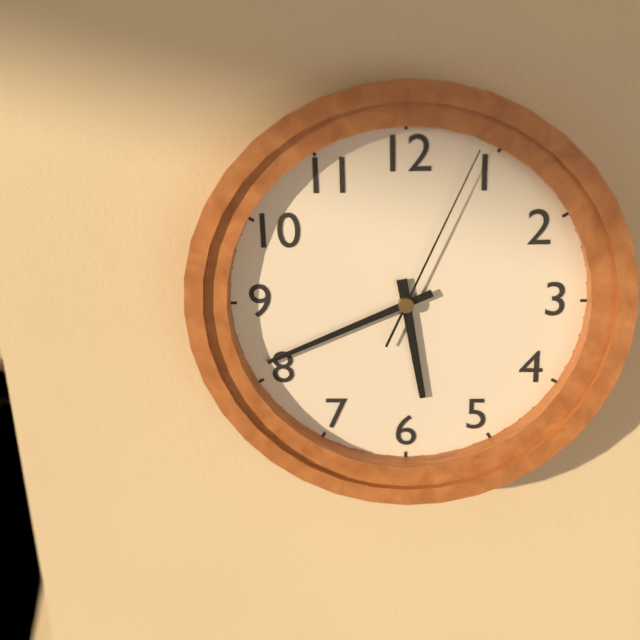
5:41:04
